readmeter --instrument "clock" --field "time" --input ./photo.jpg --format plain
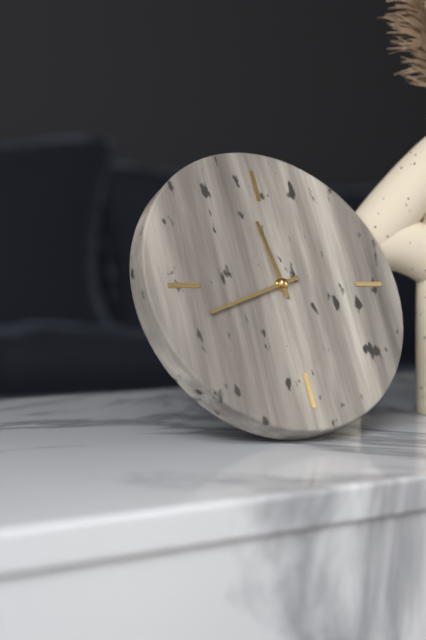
11:42
